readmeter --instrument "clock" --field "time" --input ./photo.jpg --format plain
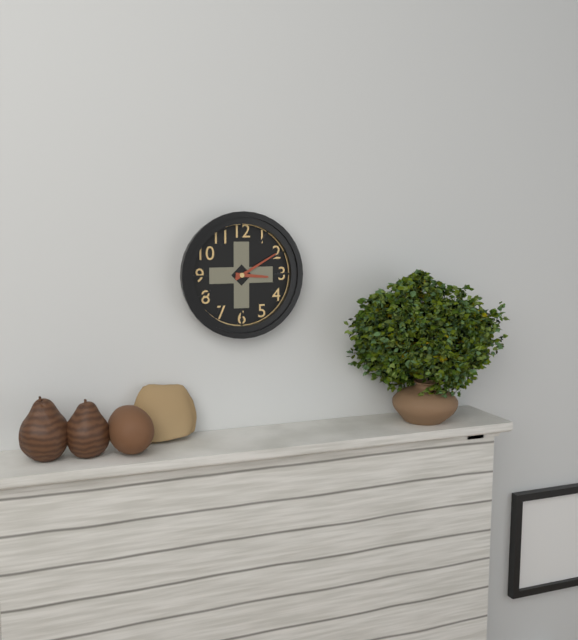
3:10
